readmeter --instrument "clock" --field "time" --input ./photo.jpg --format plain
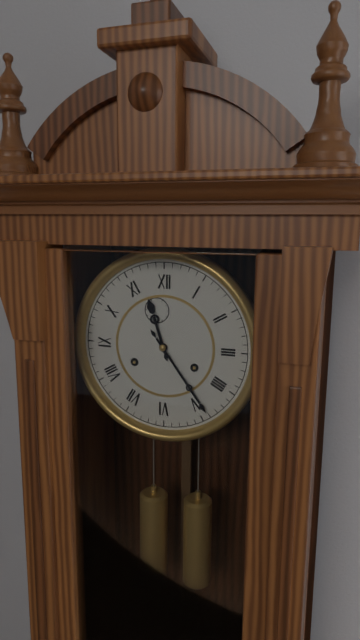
11:24
